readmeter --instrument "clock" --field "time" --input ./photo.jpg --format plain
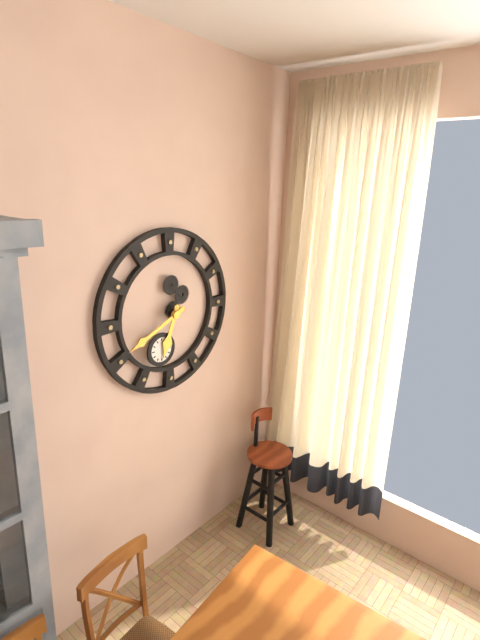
6:41
